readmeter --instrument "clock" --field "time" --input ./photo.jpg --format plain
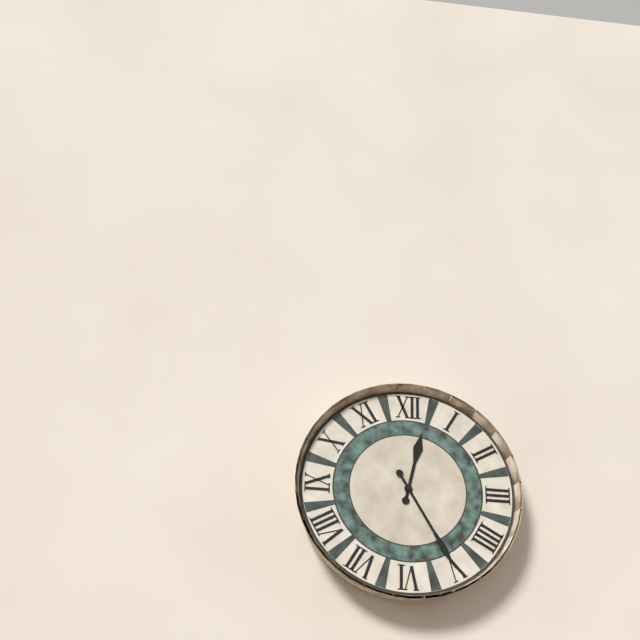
12:25
